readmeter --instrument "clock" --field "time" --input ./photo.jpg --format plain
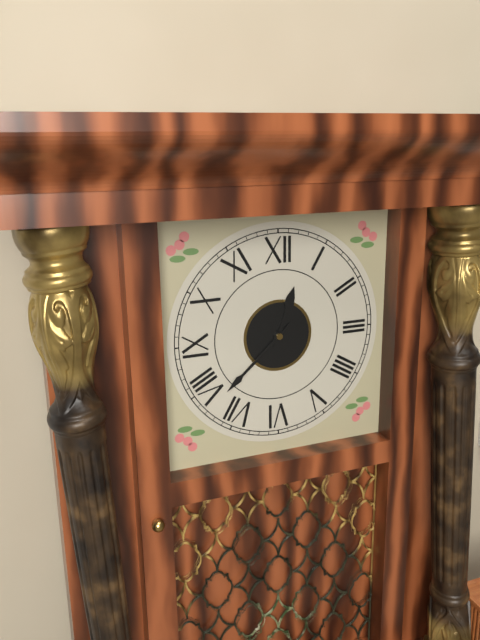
12:38
